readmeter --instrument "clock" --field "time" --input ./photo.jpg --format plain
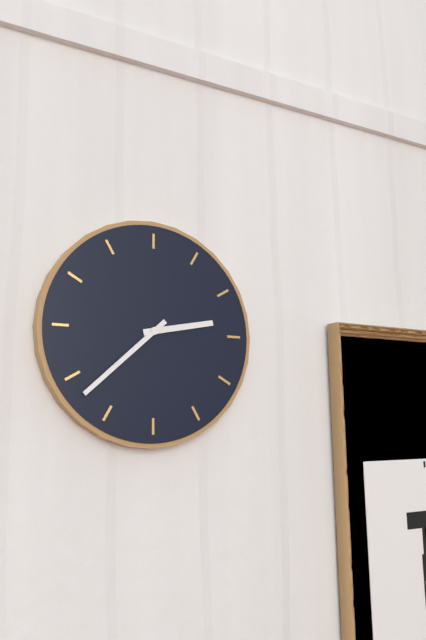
2:38
